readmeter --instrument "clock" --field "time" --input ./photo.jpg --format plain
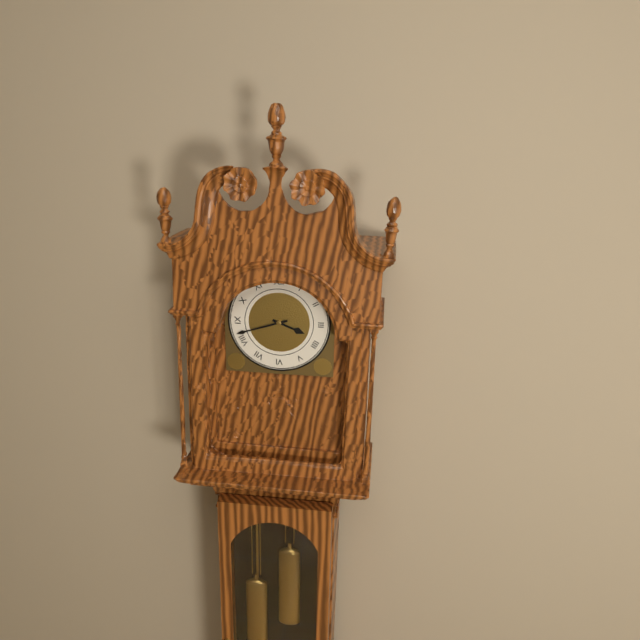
3:42
